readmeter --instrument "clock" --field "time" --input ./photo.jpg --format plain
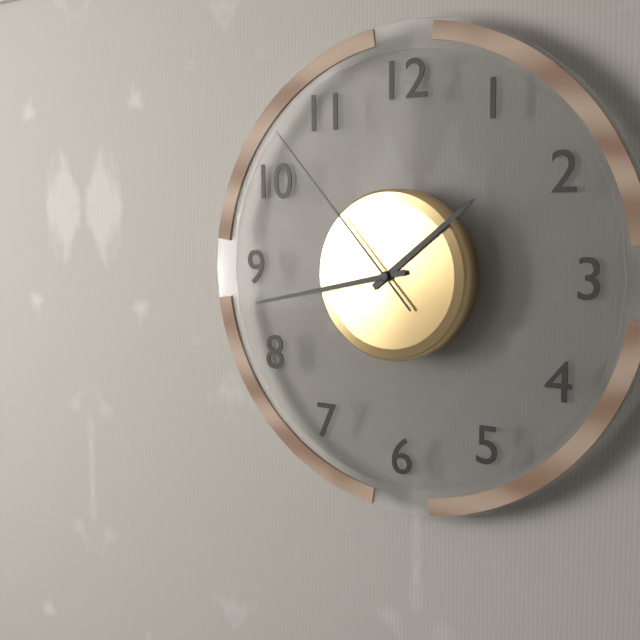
1:43:53
